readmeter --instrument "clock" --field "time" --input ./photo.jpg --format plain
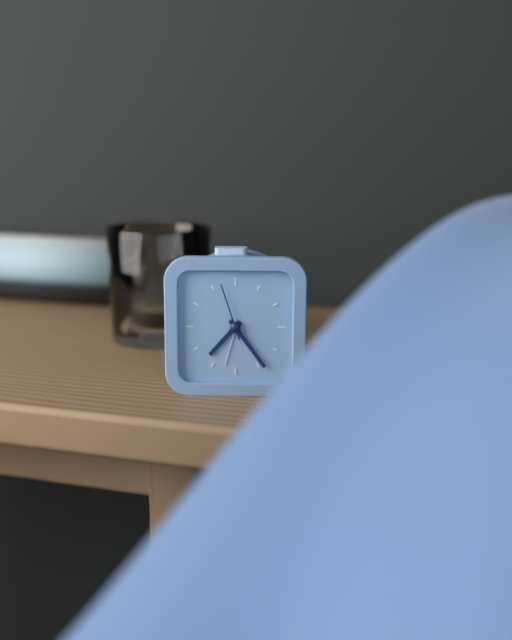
7:24:57
